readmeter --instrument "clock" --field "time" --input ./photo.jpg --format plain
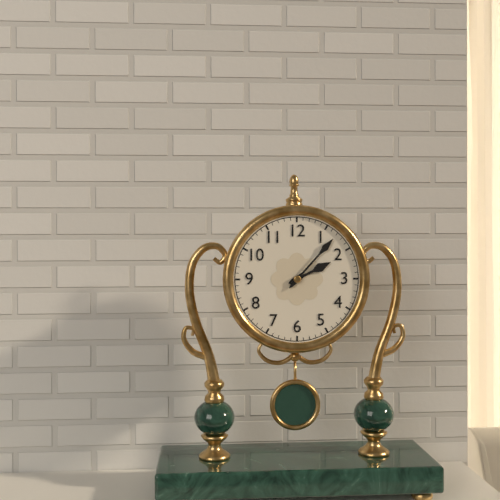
2:07
